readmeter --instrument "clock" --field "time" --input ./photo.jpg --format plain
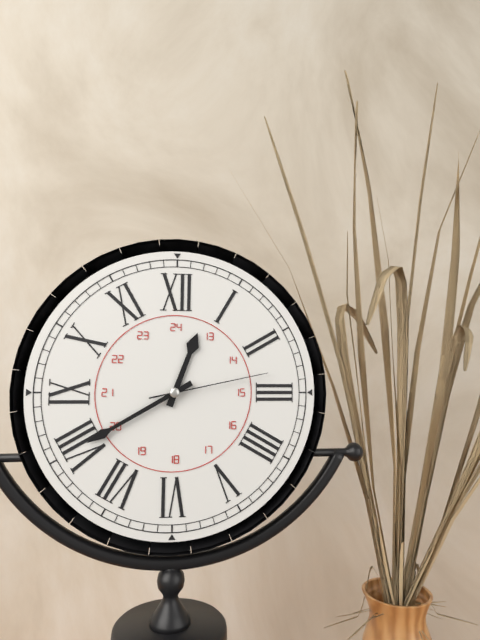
12:40:13
